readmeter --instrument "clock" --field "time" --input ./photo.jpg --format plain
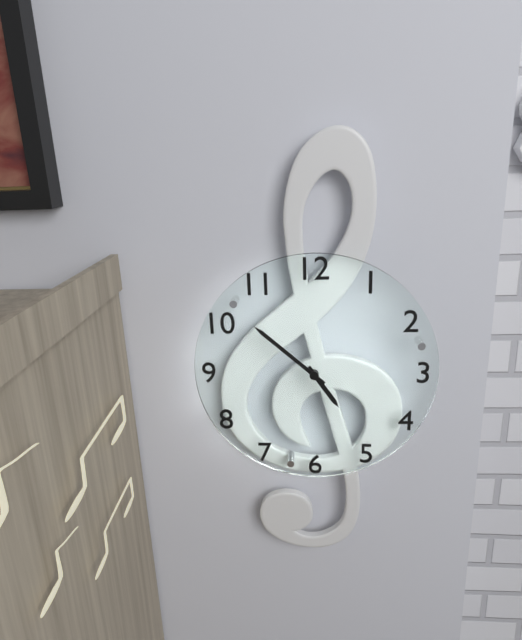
4:52
